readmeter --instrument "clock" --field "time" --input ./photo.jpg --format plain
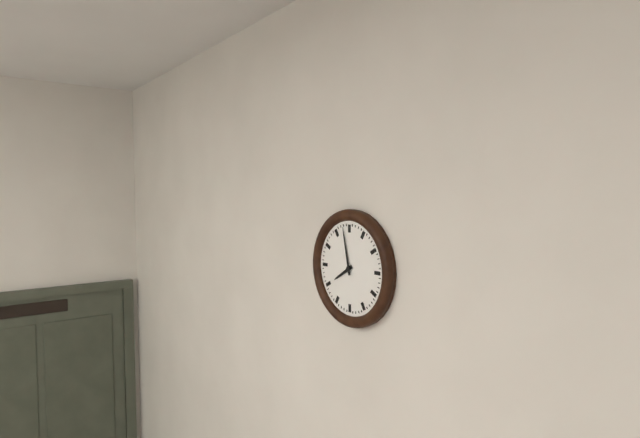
7:58
